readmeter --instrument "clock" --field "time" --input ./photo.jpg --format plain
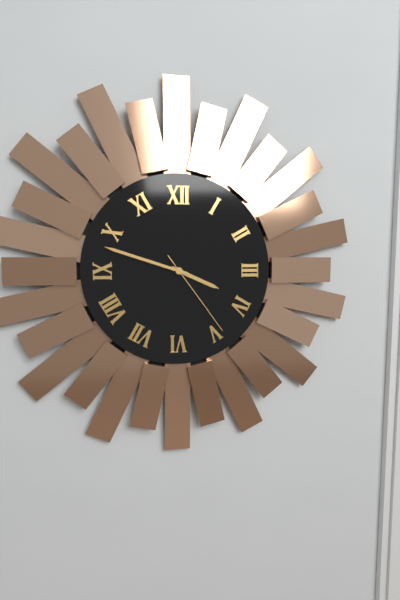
3:48:24
